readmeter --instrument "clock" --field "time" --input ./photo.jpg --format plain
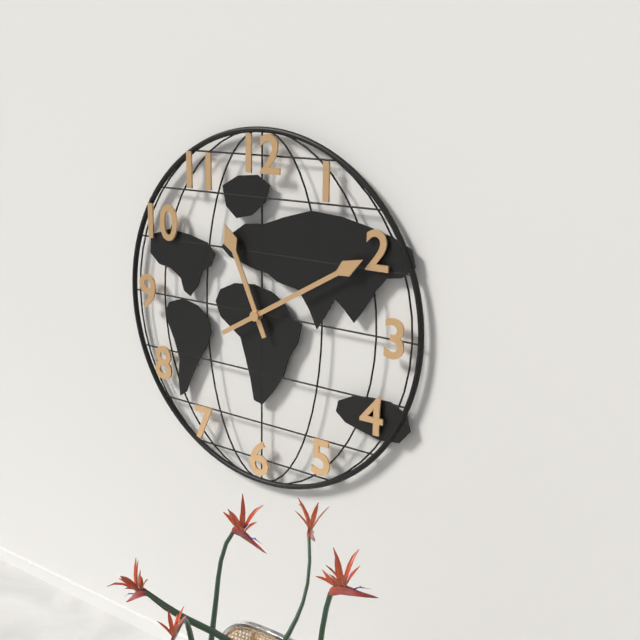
11:10
